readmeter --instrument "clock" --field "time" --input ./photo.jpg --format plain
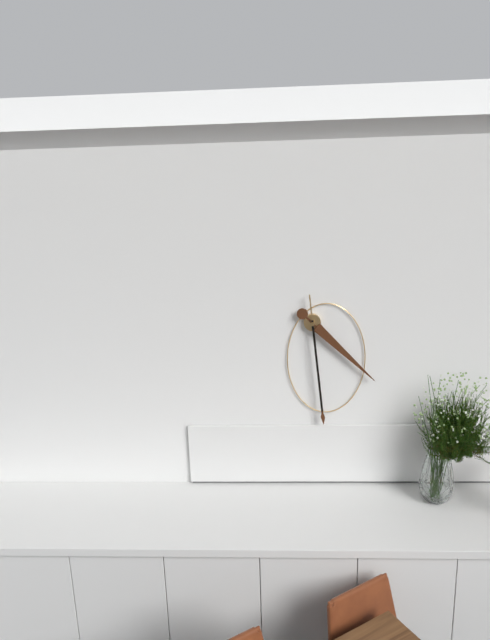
4:29
